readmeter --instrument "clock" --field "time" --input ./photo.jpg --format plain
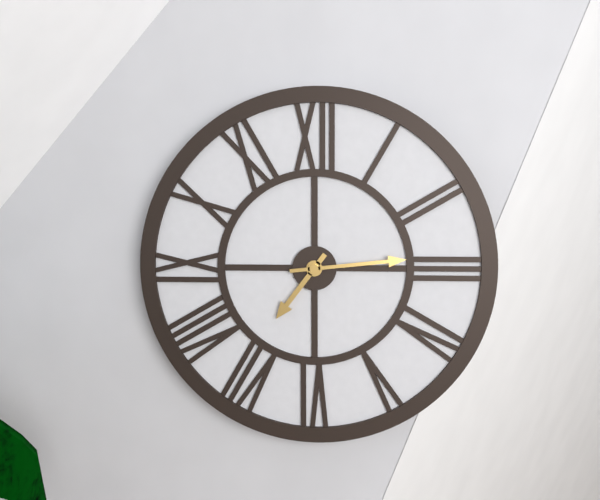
7:14
